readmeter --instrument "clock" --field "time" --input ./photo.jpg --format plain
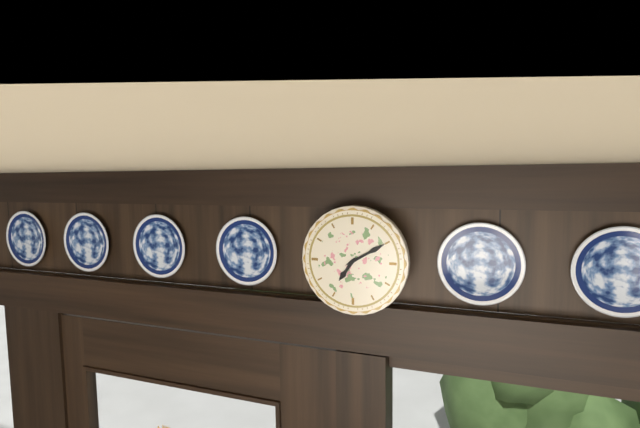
7:10
